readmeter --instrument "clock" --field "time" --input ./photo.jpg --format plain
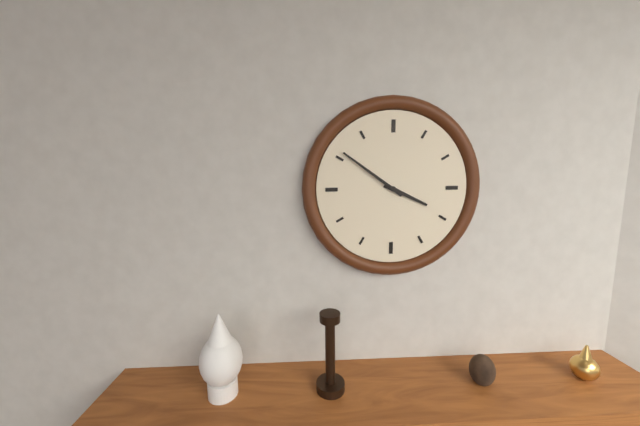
3:51
